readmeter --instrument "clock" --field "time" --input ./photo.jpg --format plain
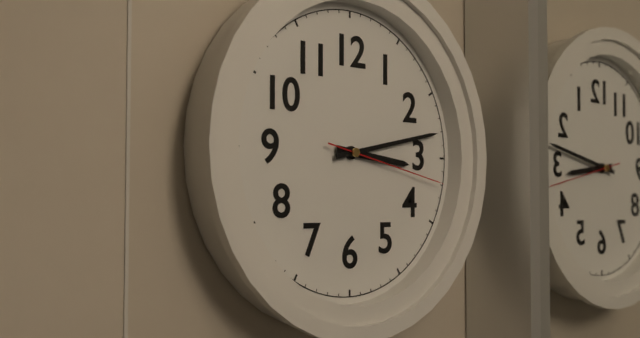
3:13:17
